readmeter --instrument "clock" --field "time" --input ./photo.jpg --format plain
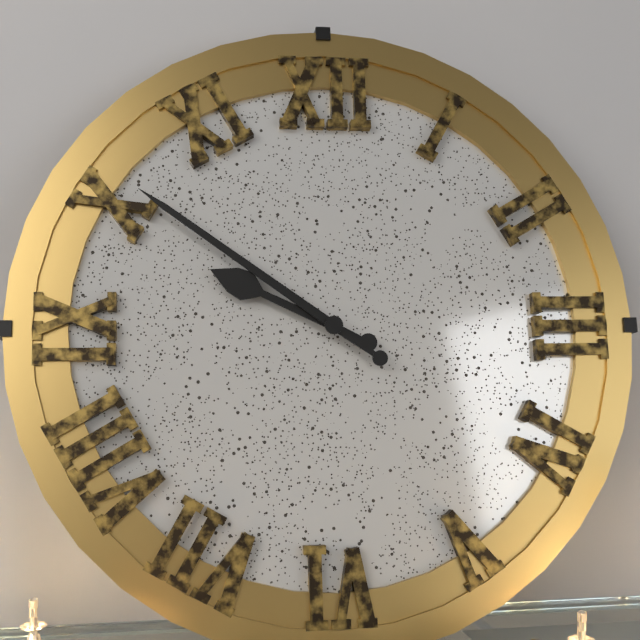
9:51
